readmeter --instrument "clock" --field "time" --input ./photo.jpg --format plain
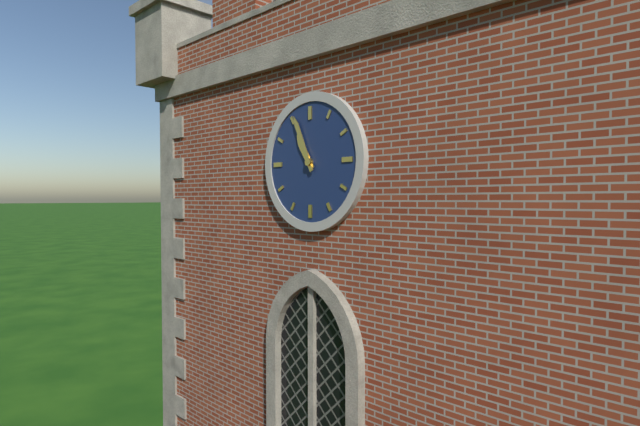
10:56
